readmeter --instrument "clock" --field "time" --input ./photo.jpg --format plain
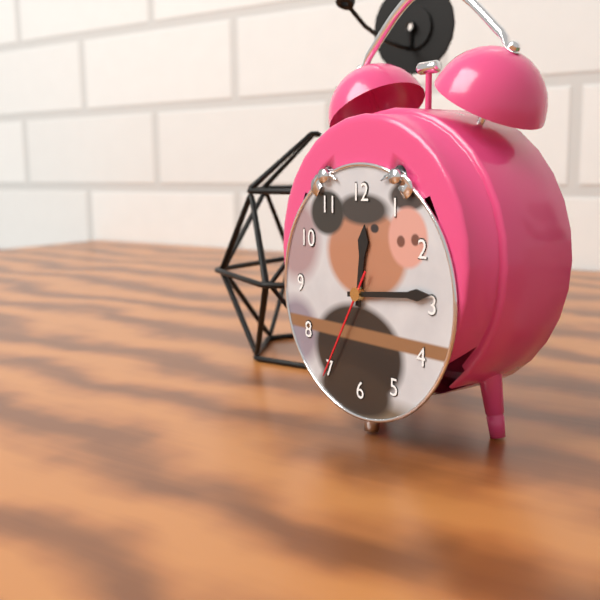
12:14:35
